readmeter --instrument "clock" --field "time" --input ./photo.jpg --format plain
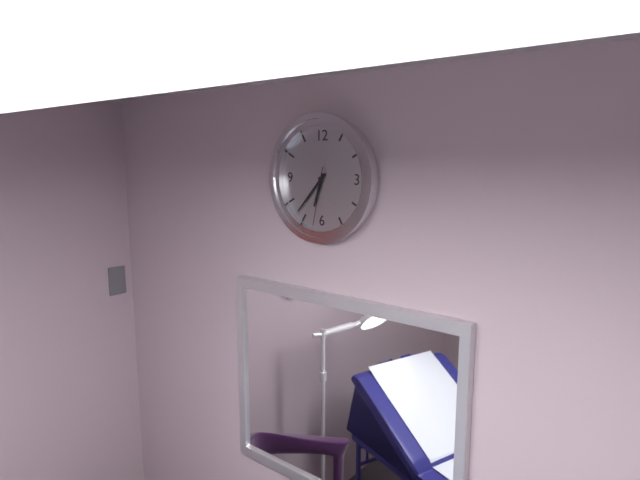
6:37:32
